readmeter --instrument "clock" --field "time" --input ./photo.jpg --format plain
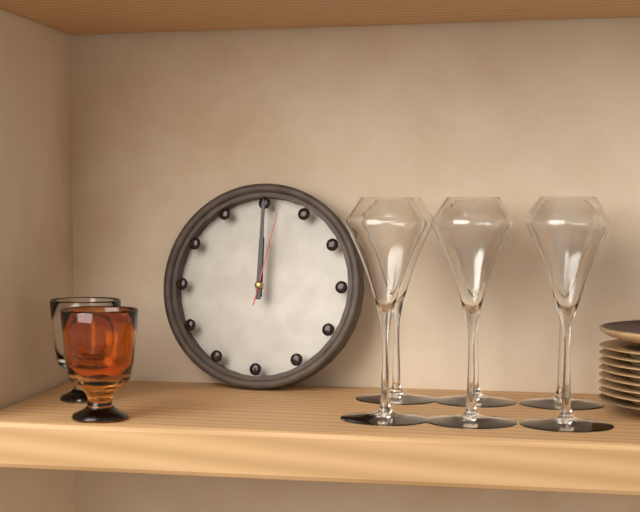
12:00:02
